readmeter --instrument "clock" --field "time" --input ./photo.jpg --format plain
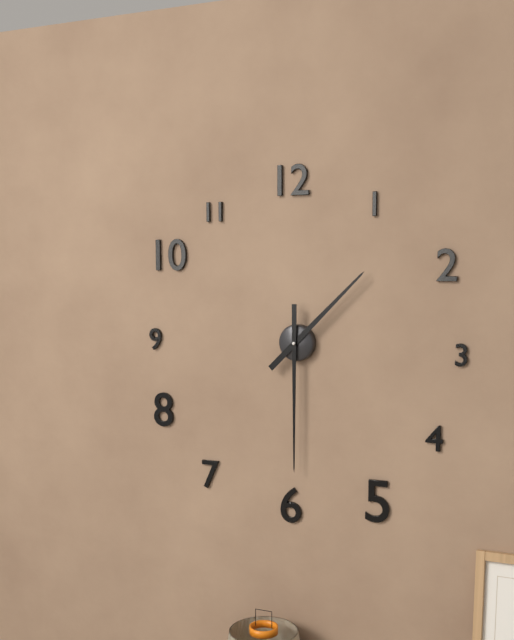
1:30
